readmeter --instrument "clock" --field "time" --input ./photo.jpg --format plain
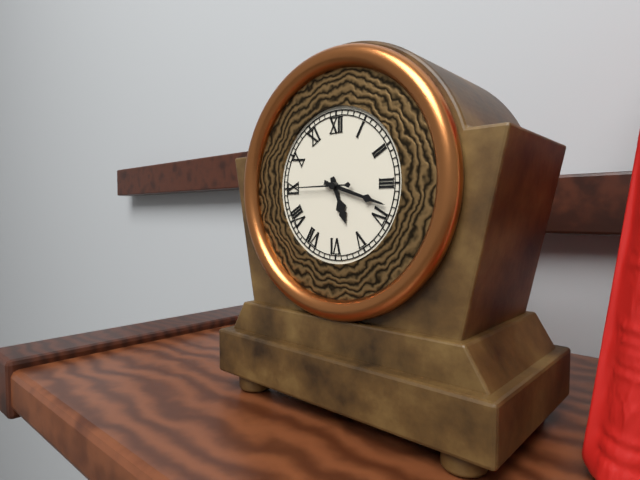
5:18:45
